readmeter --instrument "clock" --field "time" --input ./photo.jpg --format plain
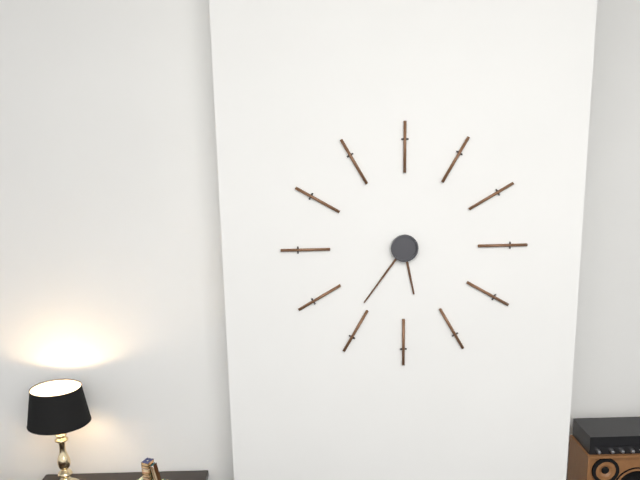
5:36
